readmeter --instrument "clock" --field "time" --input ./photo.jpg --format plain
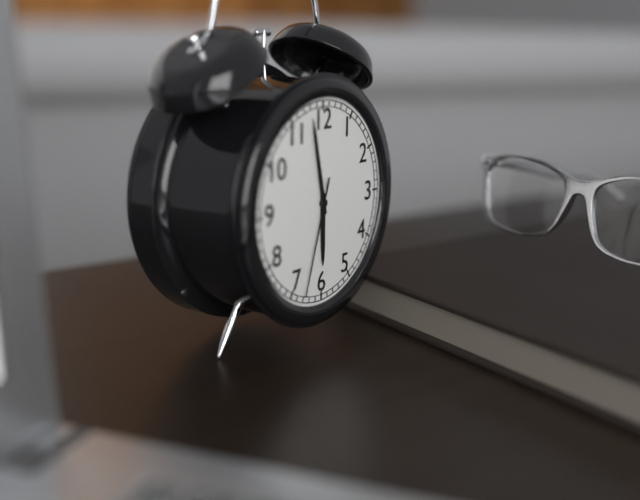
5:58:33
